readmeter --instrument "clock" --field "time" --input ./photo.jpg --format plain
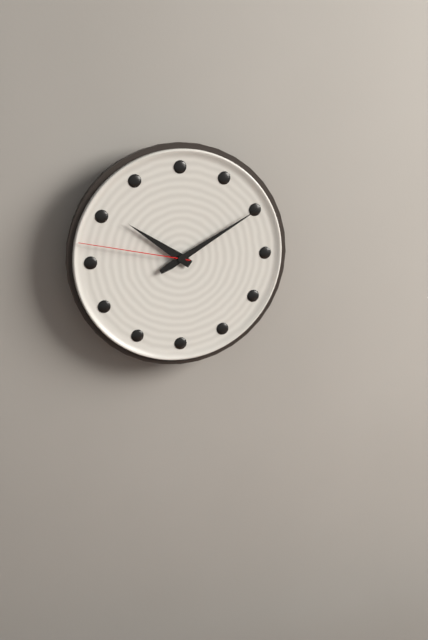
10:10:47
